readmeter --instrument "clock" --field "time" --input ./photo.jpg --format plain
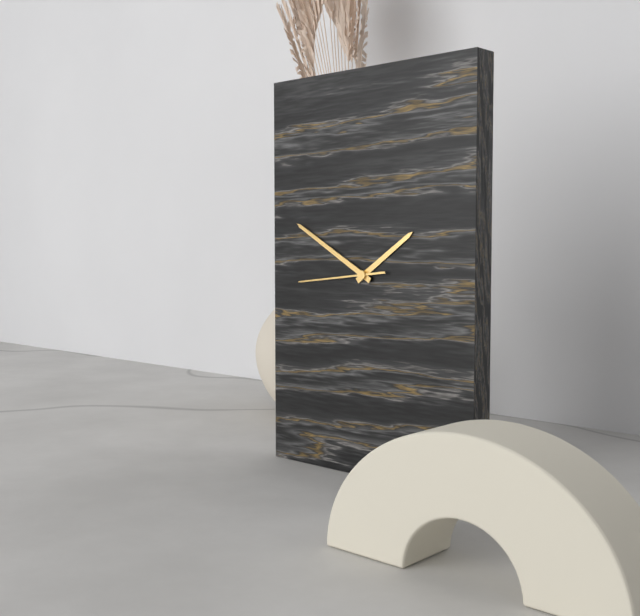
1:50:44
